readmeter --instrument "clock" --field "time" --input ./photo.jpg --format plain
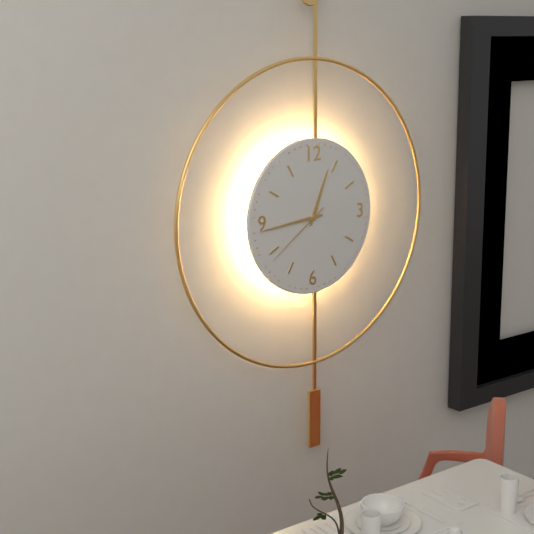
12:44:39
